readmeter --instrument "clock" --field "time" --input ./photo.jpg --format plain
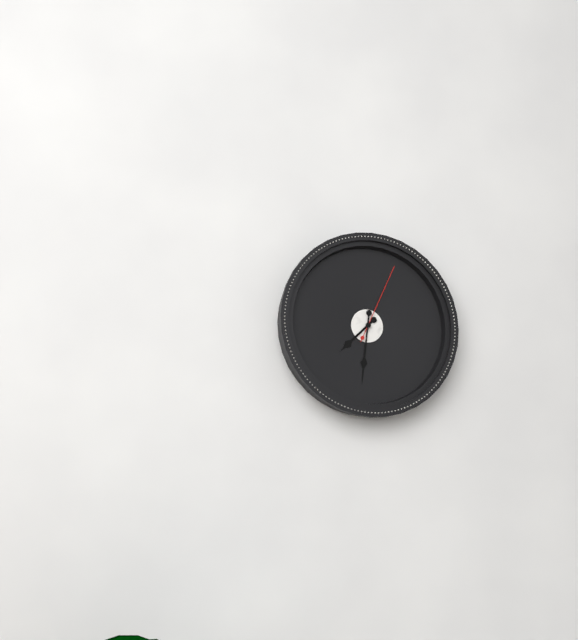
7:31:04
